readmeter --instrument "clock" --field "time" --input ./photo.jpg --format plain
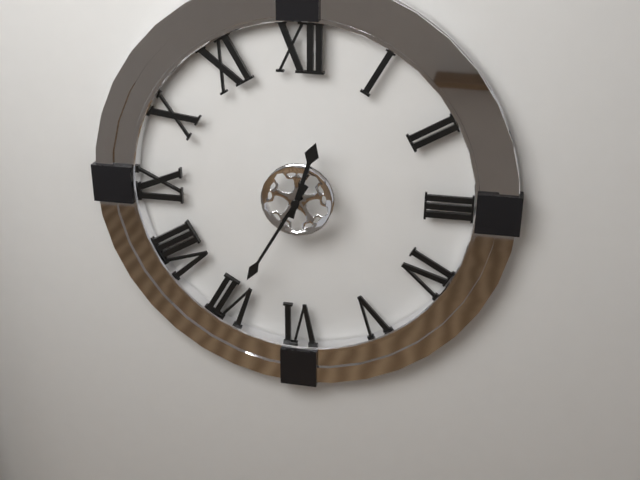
12:35
